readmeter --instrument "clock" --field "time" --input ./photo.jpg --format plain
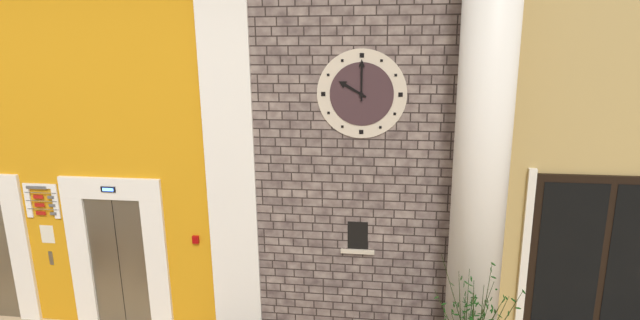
10:00
